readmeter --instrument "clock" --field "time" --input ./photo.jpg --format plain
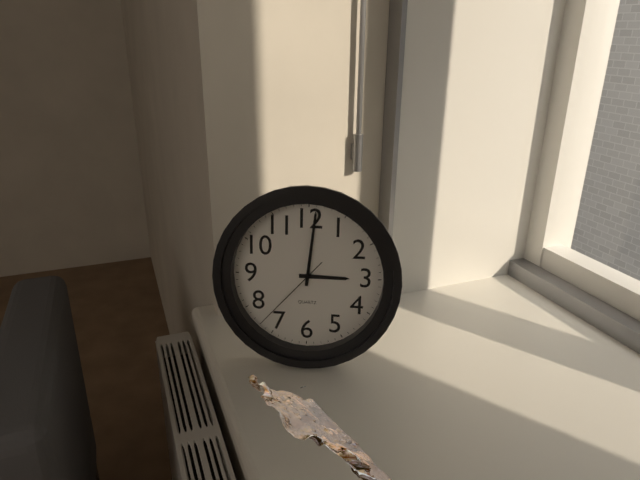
3:01:37
